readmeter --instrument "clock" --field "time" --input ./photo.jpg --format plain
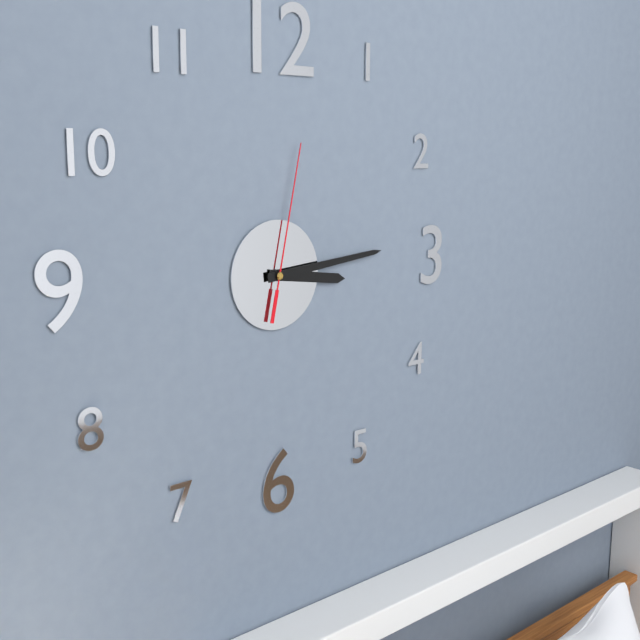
3:14:02
